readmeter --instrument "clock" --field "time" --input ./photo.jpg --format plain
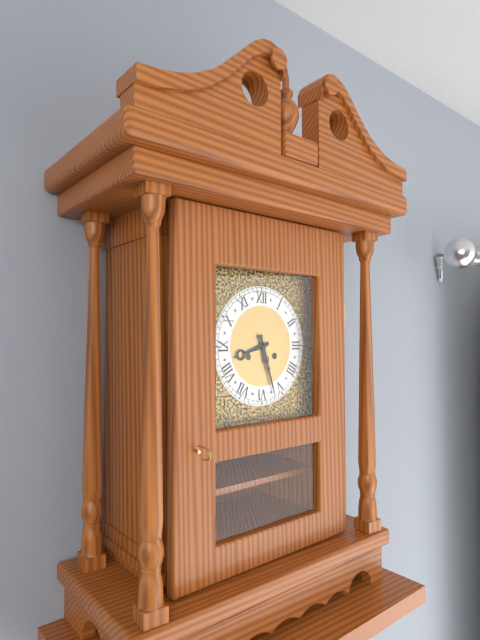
8:27
